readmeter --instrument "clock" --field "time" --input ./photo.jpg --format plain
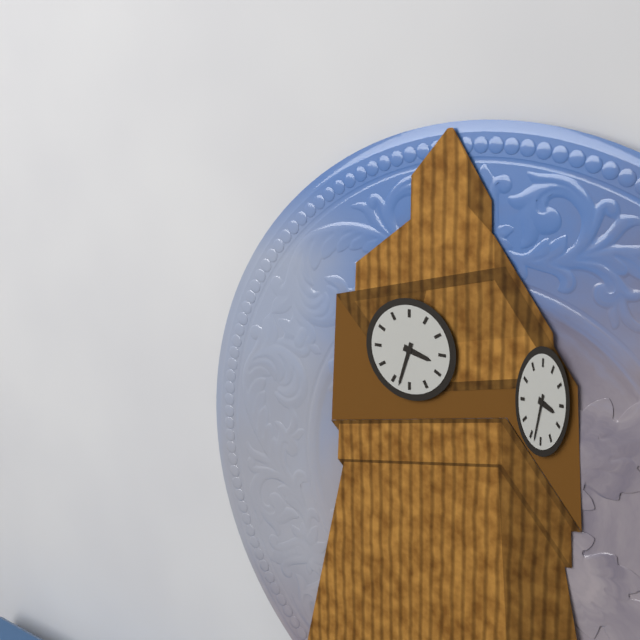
3:33
